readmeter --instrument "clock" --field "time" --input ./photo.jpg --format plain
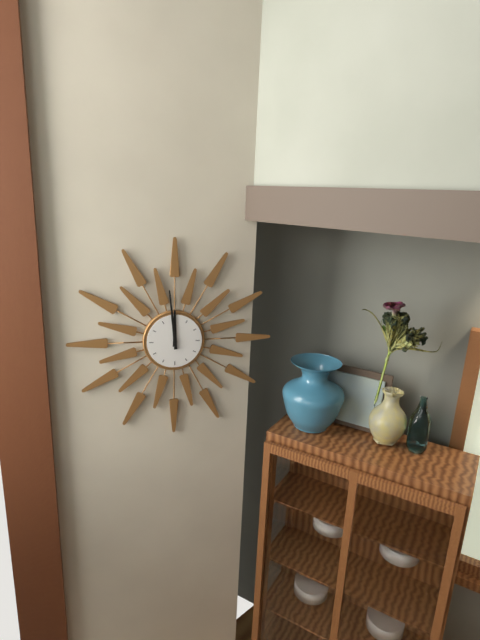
11:59
